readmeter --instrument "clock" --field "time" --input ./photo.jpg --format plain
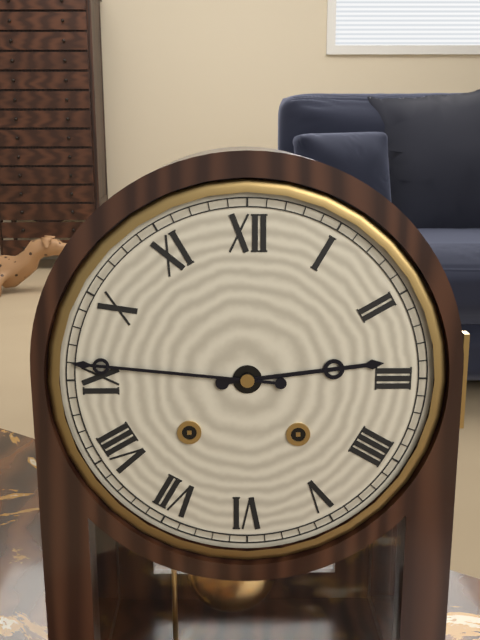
2:46
